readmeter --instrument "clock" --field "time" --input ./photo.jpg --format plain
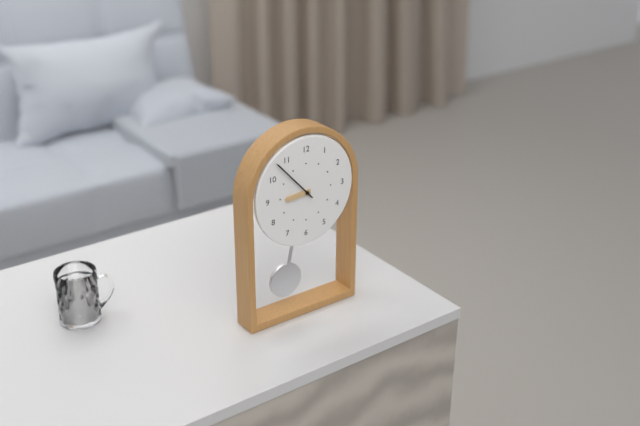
8:53
